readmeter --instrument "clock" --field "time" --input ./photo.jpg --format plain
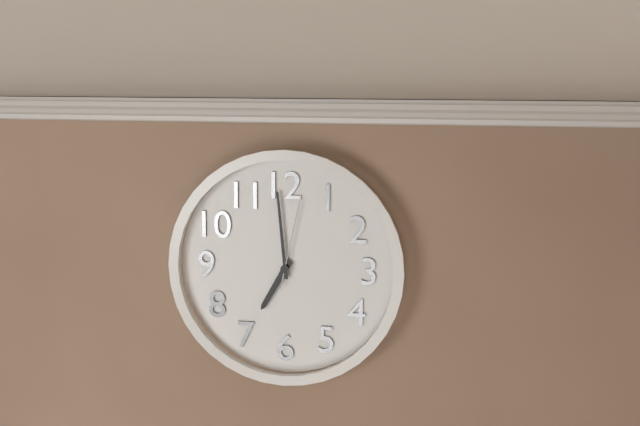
6:59:02
